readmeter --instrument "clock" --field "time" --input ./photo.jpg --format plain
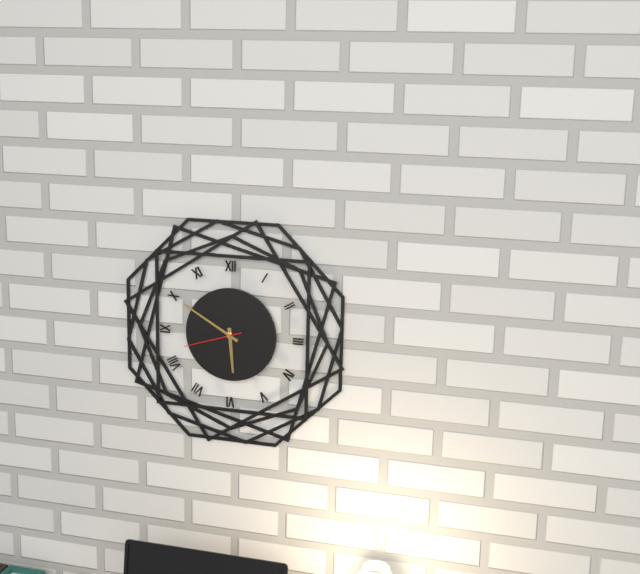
5:50:42
